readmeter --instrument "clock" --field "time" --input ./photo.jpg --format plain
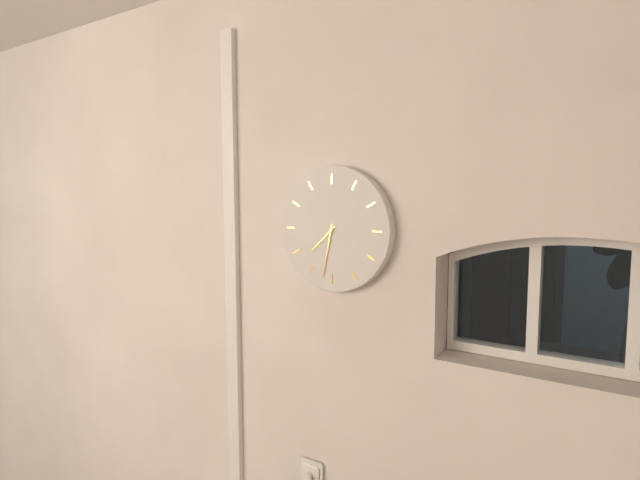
7:32
